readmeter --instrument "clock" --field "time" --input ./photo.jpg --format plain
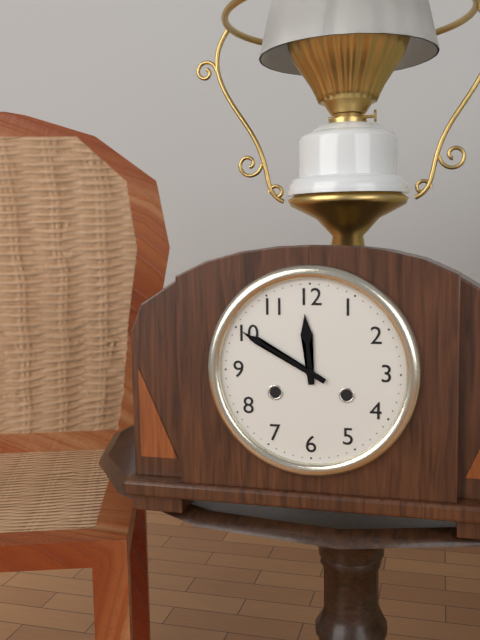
11:50
